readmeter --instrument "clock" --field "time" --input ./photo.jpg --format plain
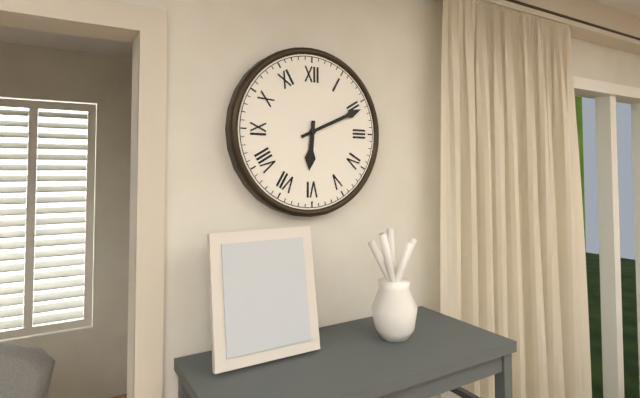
6:11
